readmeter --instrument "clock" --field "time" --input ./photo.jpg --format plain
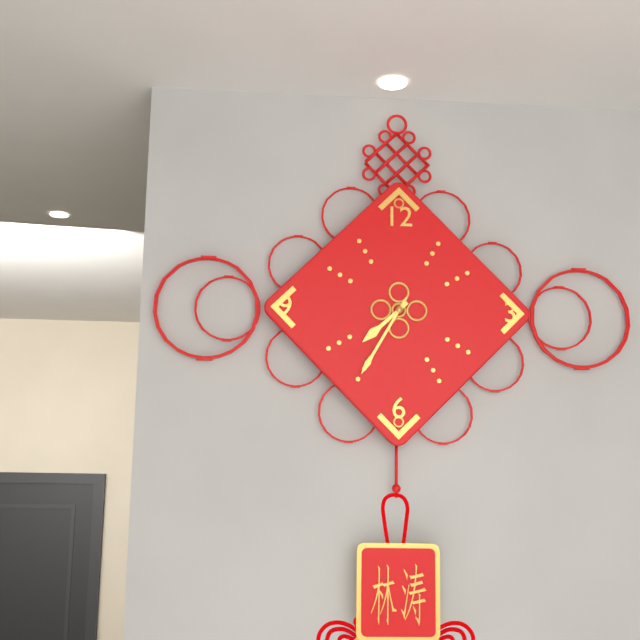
7:35
